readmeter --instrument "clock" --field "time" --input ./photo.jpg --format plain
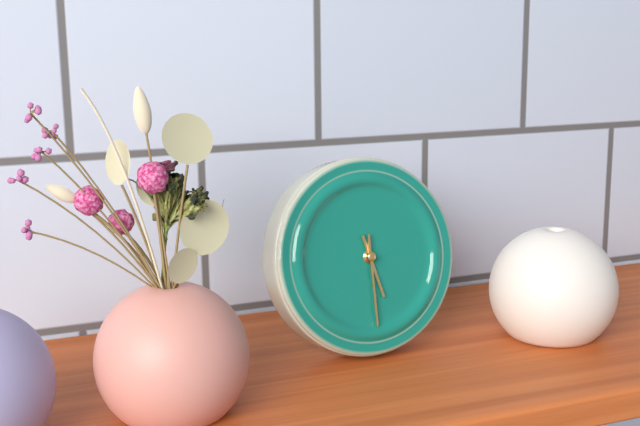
5:30
